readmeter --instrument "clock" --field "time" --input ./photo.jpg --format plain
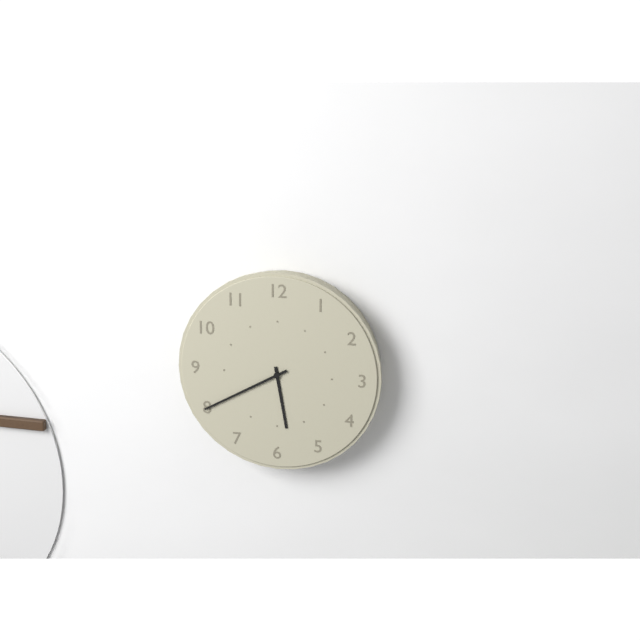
5:40
